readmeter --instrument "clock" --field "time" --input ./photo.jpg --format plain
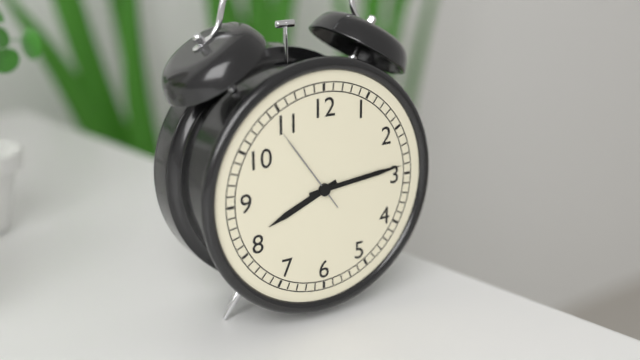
8:14:54
